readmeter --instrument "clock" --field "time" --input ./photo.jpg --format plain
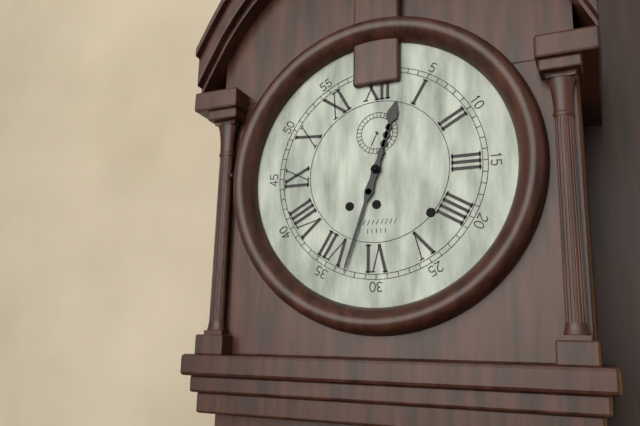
12:33
